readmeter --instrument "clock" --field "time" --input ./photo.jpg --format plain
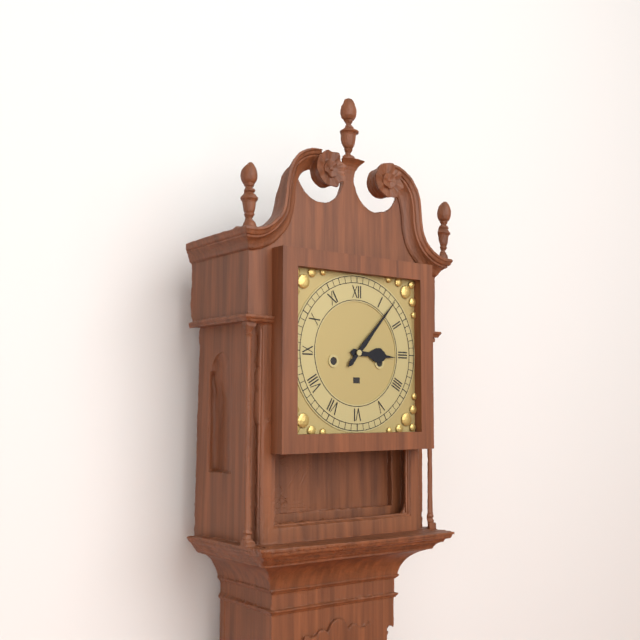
3:07
